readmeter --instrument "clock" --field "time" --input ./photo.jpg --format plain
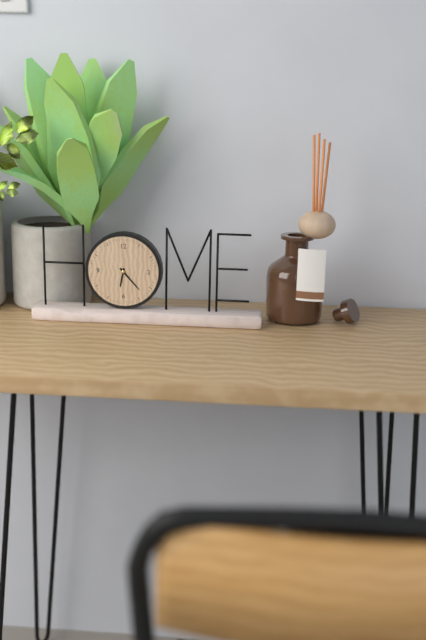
6:23
